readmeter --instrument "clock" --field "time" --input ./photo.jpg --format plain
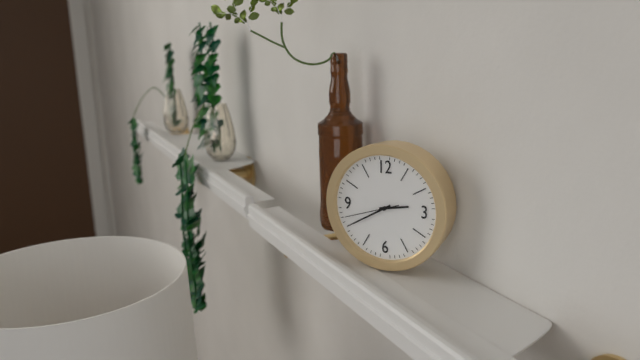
2:40:42
